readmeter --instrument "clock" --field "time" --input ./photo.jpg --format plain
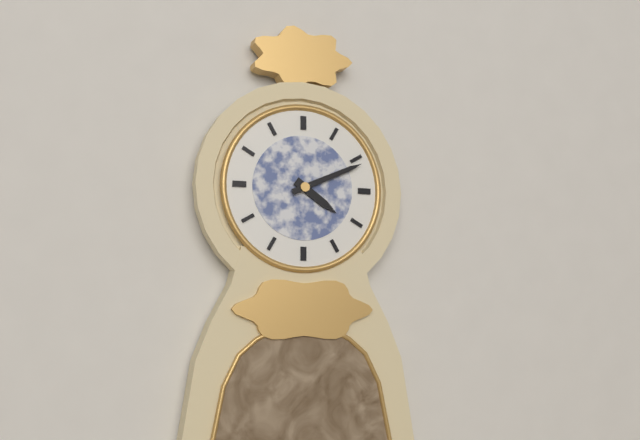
4:11
